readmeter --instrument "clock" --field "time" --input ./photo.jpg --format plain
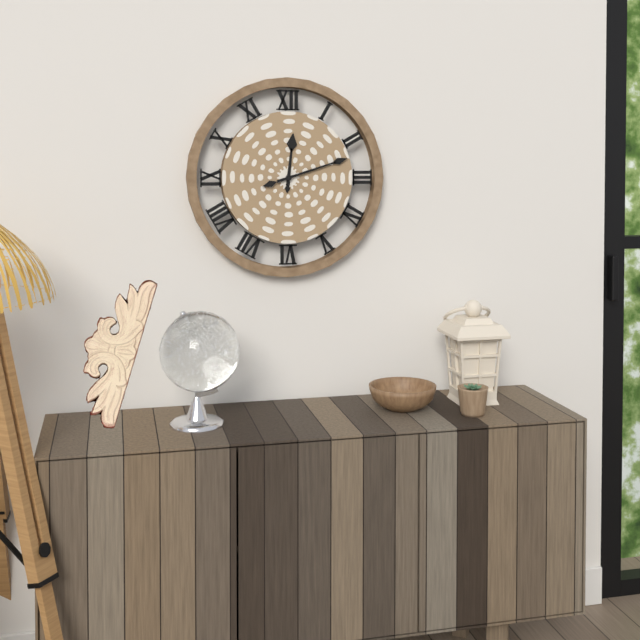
12:12
